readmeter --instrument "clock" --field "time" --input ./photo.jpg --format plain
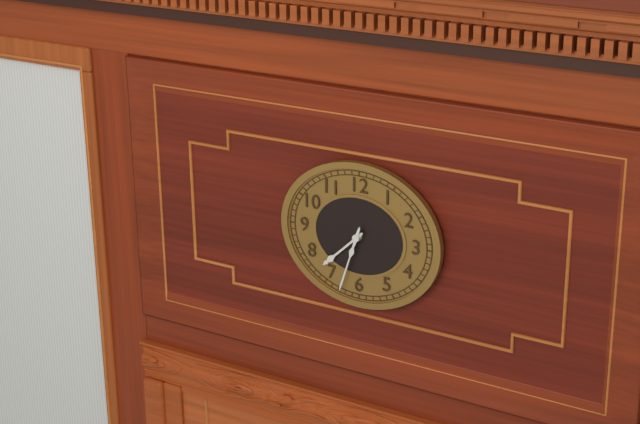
7:33
